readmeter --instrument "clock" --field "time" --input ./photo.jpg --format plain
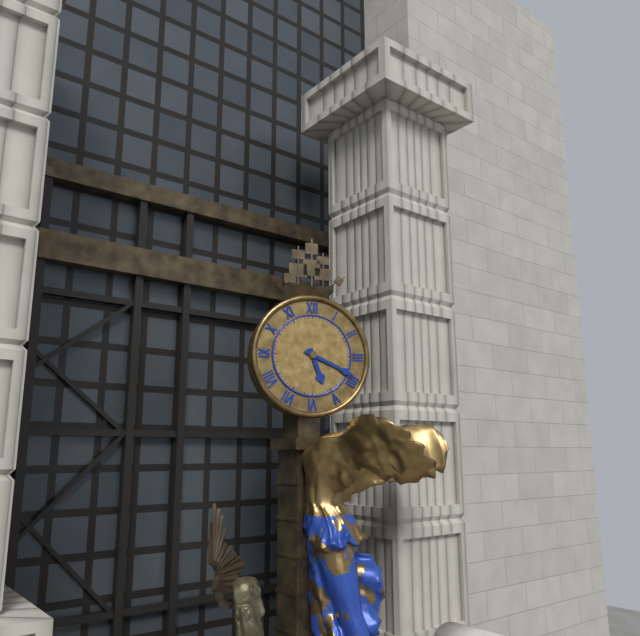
5:19
